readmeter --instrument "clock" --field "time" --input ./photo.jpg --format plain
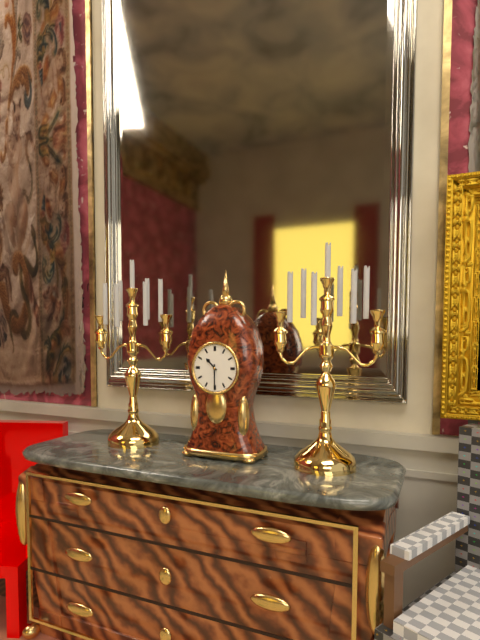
10:30
